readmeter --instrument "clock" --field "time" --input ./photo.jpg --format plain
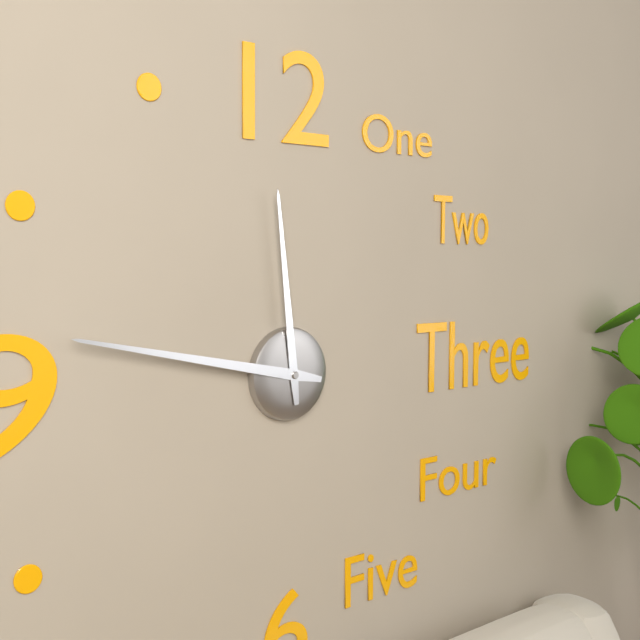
11:47
